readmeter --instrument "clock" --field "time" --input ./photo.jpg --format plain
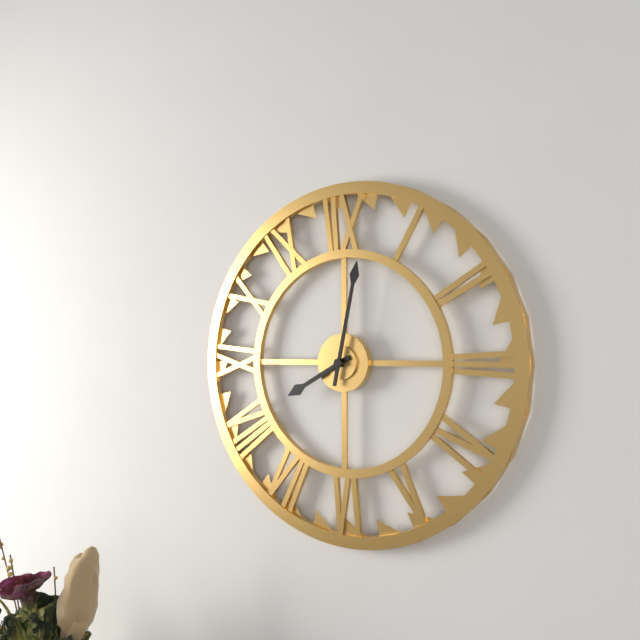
8:02
